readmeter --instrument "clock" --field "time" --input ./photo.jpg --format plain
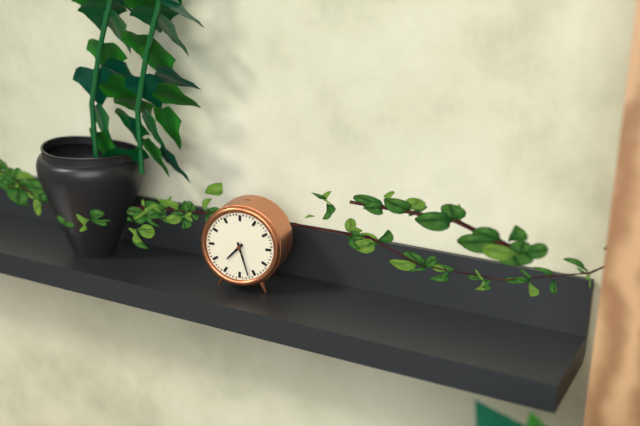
7:27
